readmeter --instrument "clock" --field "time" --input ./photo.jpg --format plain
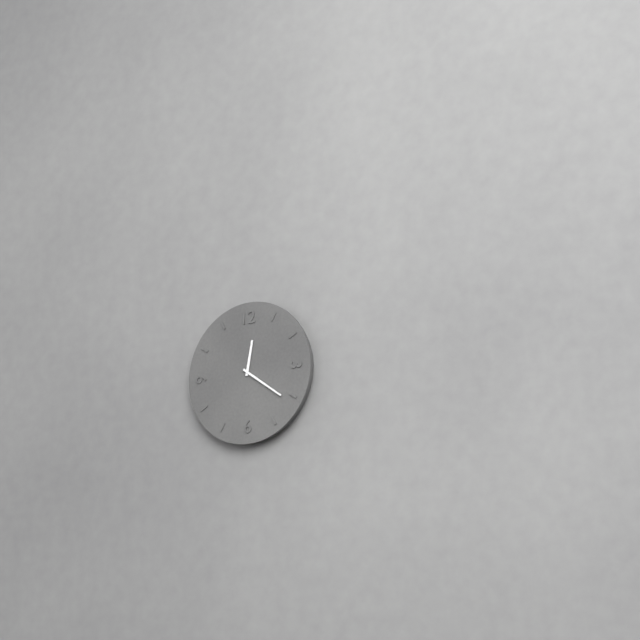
12:21
